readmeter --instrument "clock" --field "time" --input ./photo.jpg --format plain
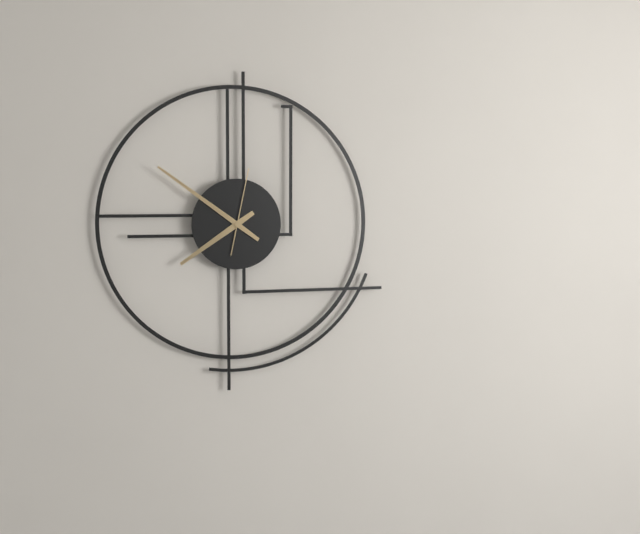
7:51:02
